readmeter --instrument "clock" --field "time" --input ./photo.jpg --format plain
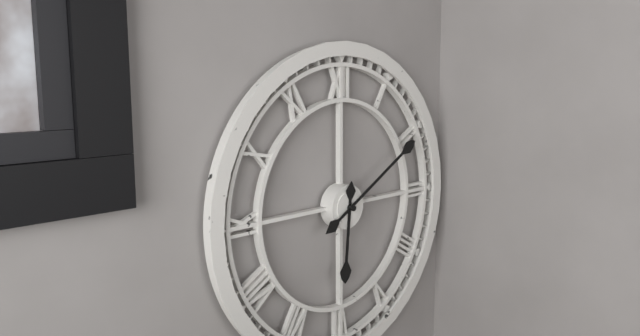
6:10
